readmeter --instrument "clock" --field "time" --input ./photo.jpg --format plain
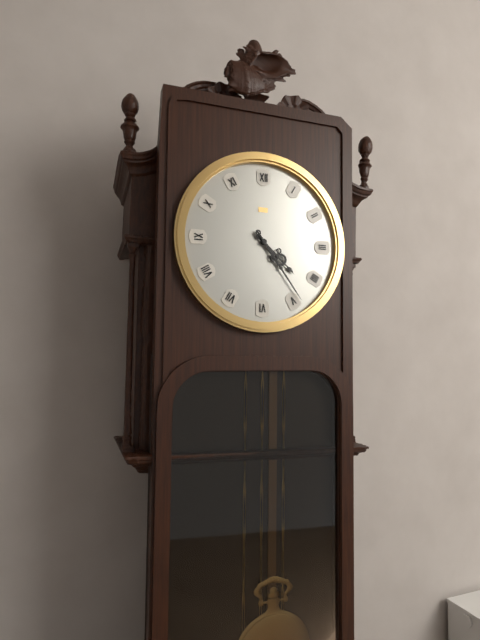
4:24
